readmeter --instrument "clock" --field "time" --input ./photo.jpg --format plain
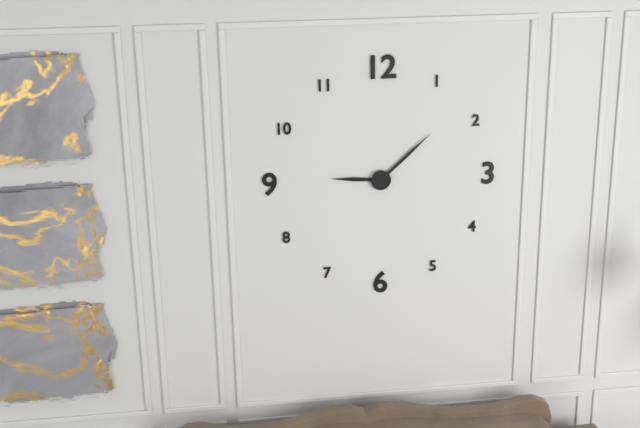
9:08
